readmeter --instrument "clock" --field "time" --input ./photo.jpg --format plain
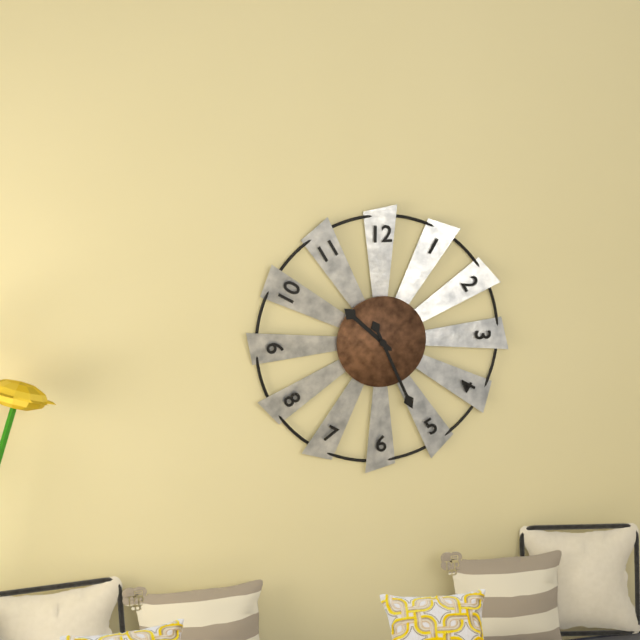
10:26
